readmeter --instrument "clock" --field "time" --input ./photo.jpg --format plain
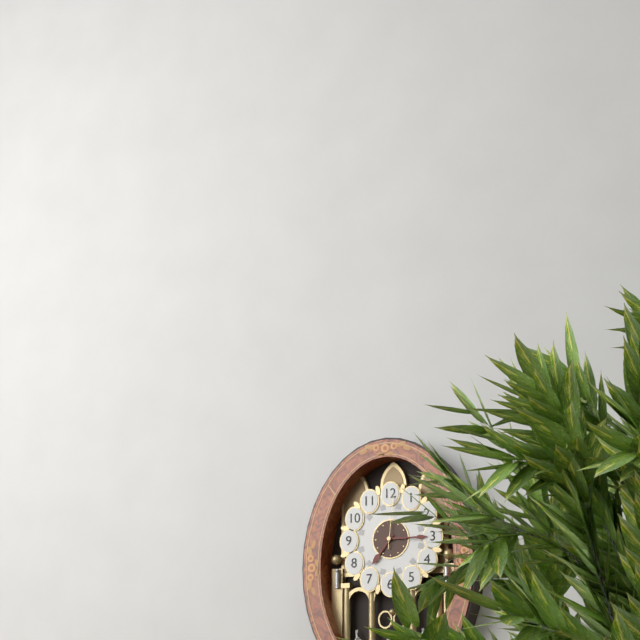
7:15:01
